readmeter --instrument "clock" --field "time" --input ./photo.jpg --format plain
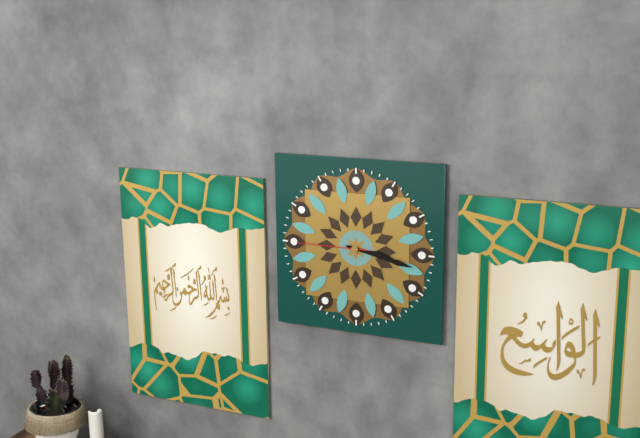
3:17:45
